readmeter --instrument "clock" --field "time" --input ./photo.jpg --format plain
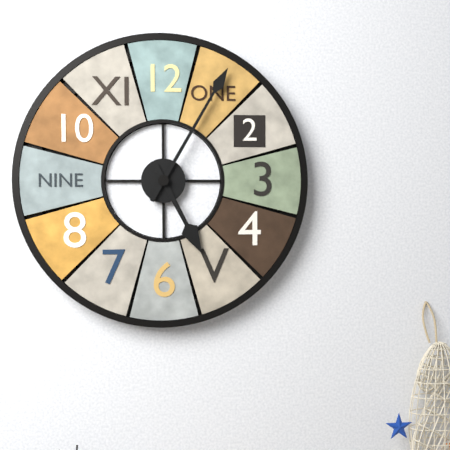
5:05
